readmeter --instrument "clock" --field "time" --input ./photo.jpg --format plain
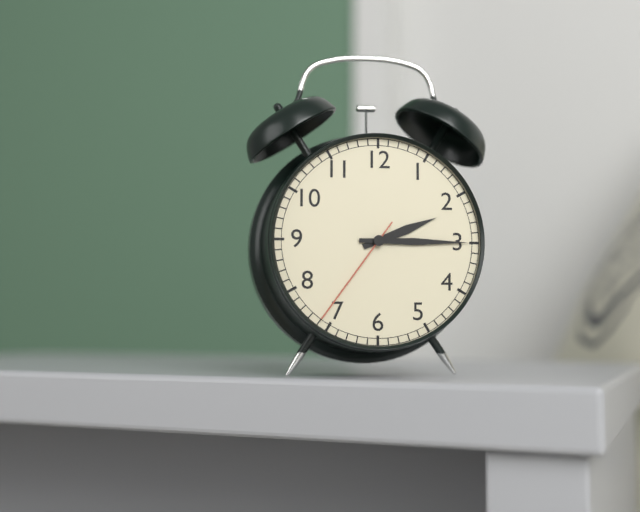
2:15:36
